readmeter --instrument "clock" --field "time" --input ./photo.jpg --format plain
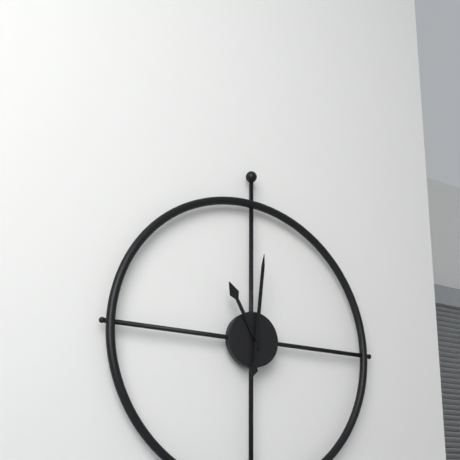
11:01
